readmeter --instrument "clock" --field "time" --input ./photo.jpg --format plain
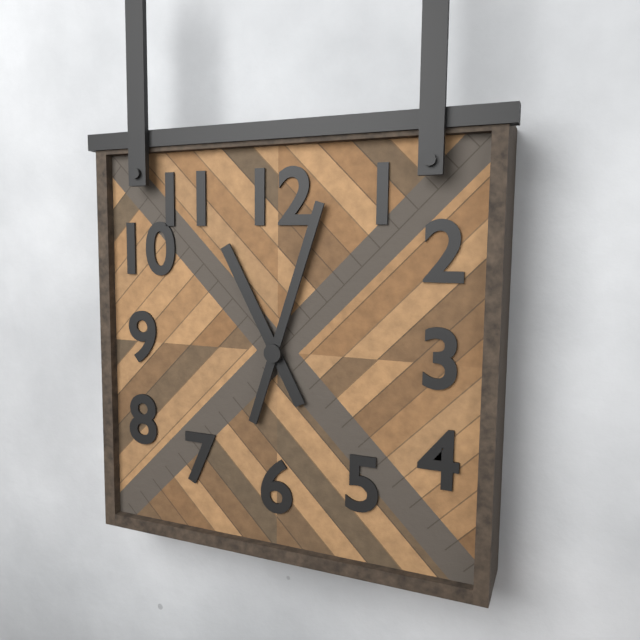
11:03
